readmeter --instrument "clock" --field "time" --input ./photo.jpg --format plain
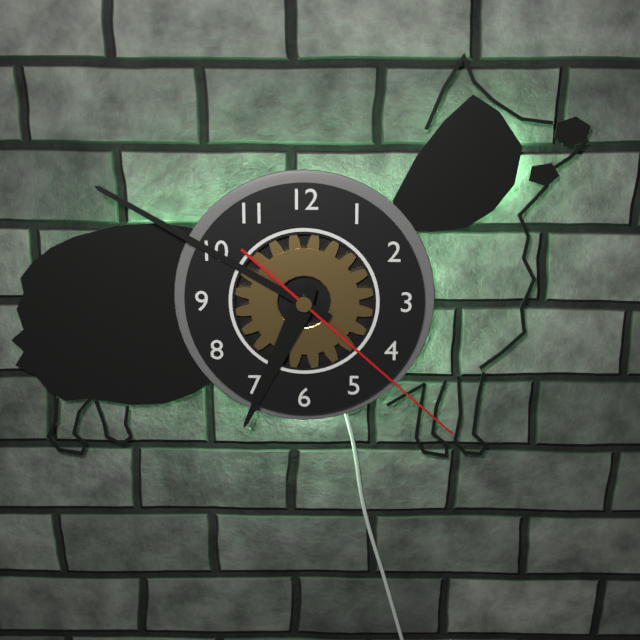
6:50:22
